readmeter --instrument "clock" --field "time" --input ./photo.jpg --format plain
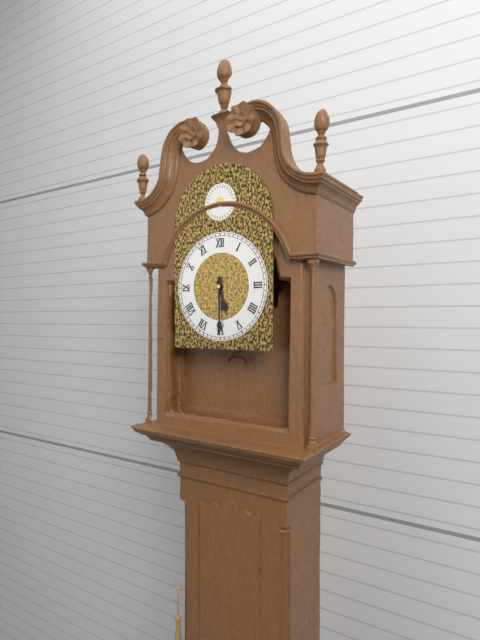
5:30
